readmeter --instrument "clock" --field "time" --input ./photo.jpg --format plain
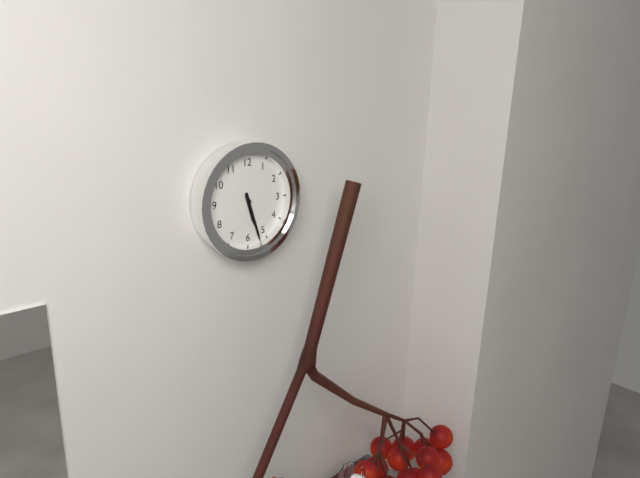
5:27
